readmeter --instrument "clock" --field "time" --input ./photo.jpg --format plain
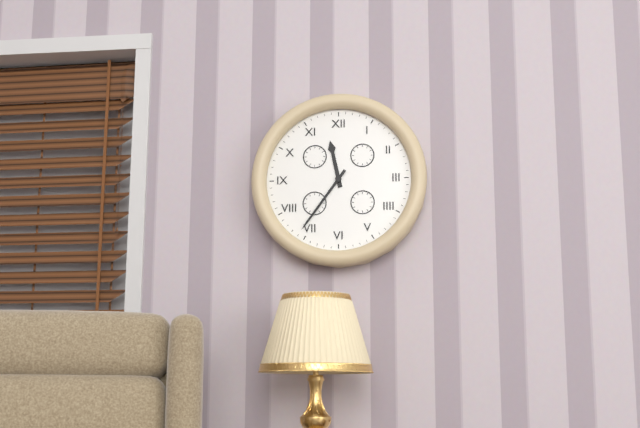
11:36
